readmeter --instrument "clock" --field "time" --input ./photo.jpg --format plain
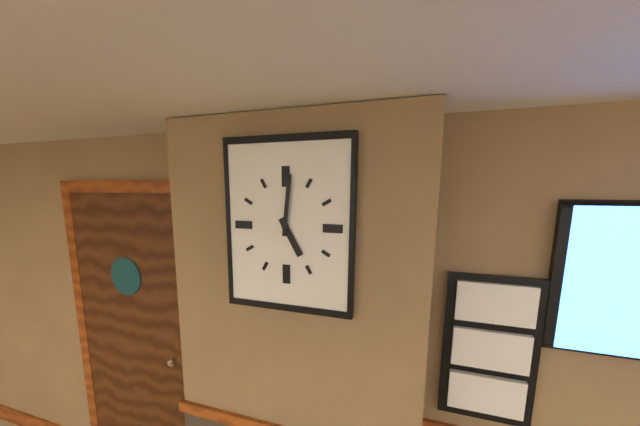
5:01
